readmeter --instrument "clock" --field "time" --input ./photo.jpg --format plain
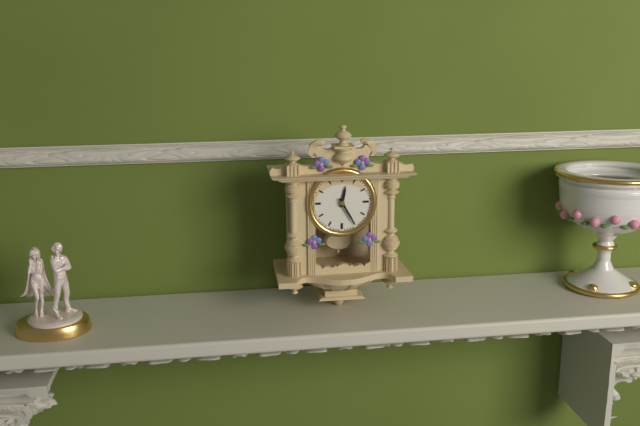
12:25
